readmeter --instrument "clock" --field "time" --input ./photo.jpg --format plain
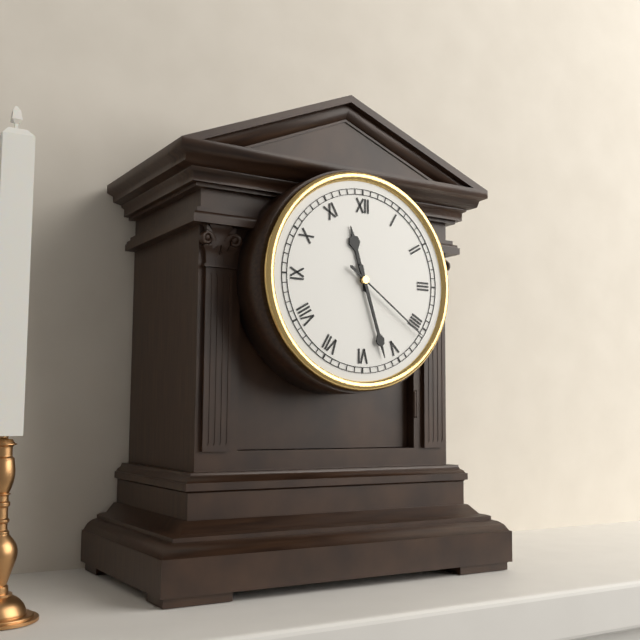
11:27:21
